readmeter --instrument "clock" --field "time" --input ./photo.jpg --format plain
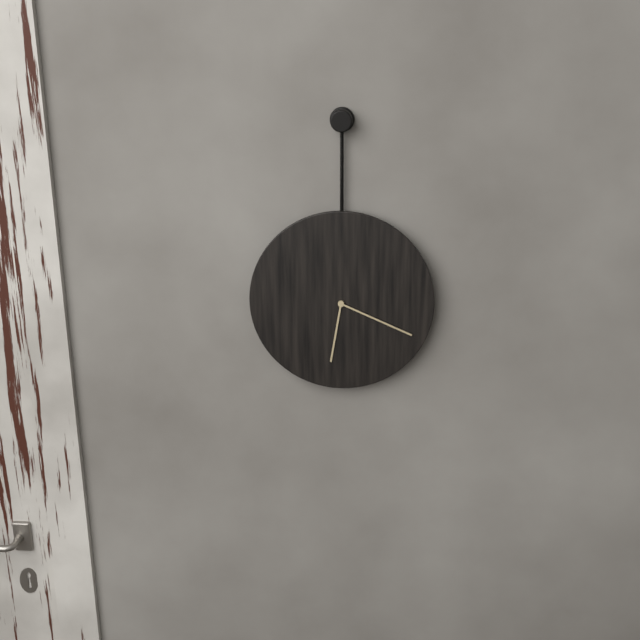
6:19
